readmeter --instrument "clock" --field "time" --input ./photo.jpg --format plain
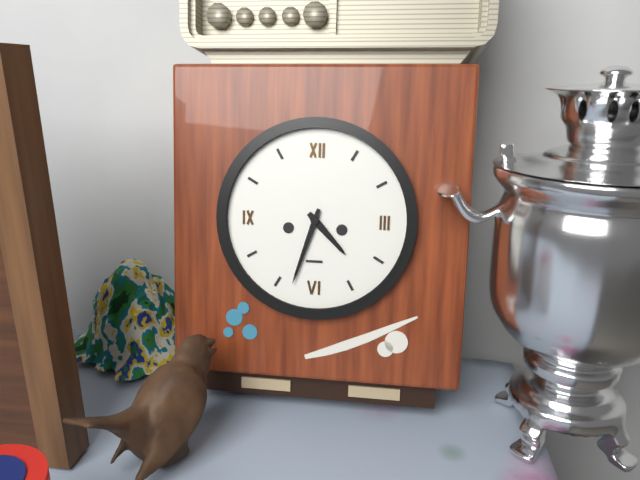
4:33
